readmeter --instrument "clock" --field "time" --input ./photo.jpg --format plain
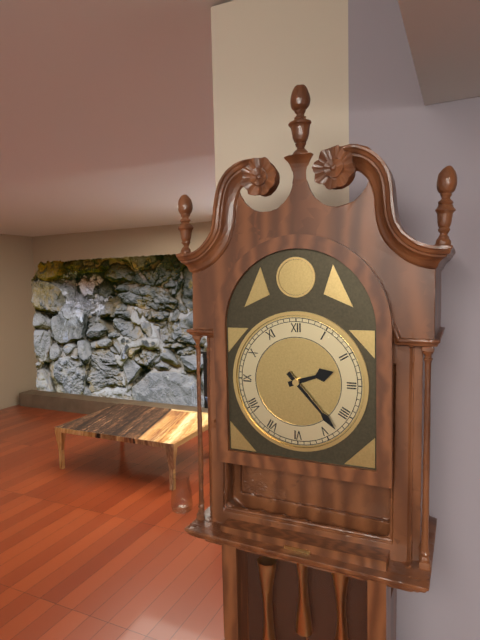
2:23
